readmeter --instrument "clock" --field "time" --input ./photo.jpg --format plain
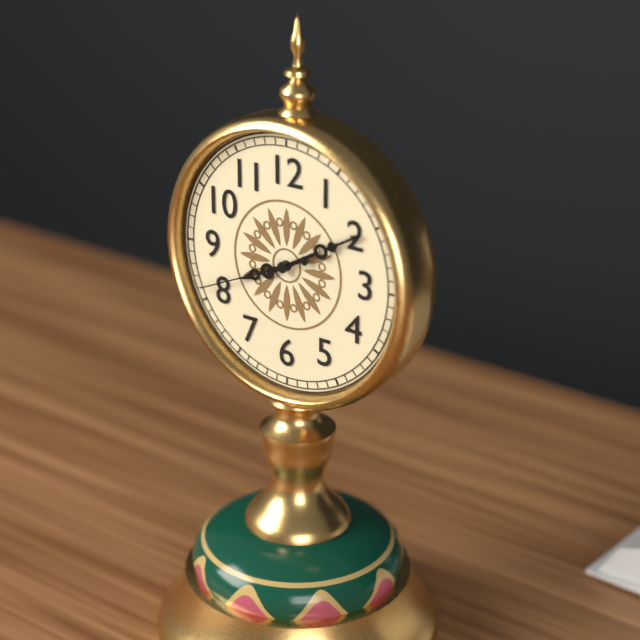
8:10:41
